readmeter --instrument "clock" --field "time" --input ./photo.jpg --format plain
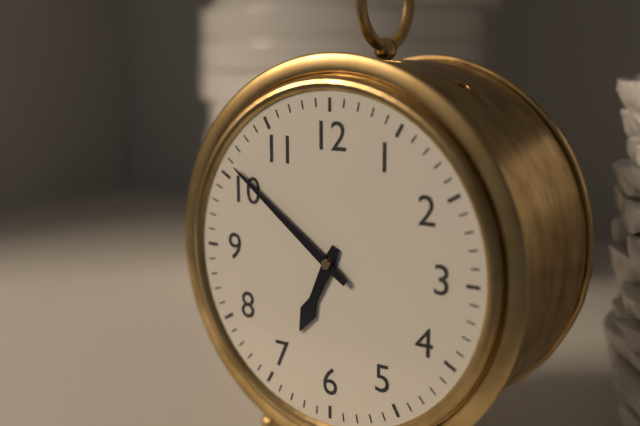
6:51
